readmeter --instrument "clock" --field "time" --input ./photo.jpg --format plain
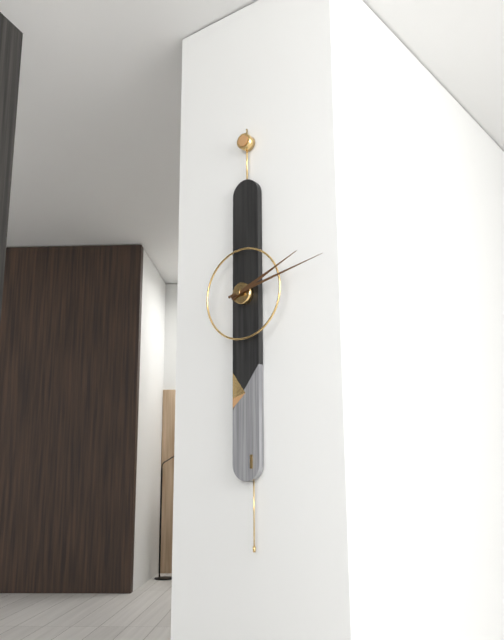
2:13
